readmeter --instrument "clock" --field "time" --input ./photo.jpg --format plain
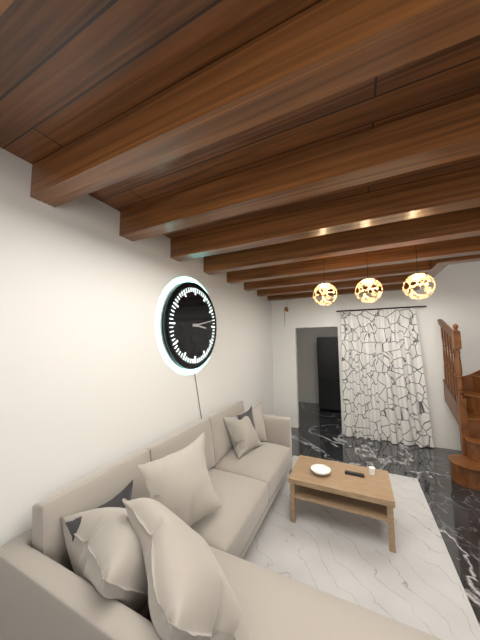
3:13
